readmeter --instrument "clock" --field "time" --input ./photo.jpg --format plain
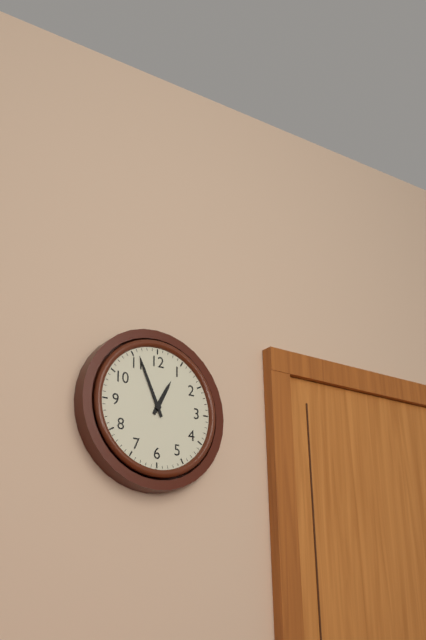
12:56
